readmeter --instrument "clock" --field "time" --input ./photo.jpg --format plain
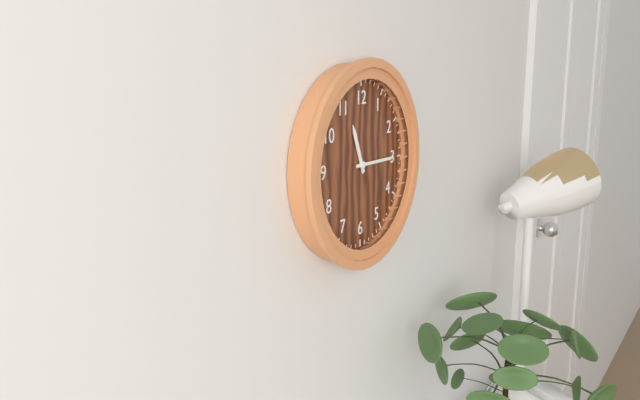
11:15
